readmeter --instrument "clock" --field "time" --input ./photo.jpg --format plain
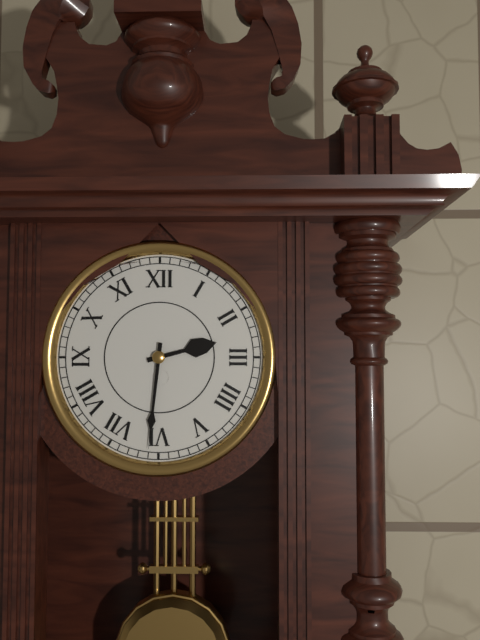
2:31
